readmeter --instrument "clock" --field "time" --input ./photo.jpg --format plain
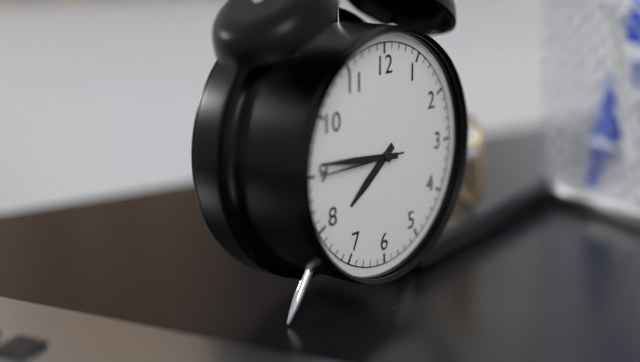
7:46:45
